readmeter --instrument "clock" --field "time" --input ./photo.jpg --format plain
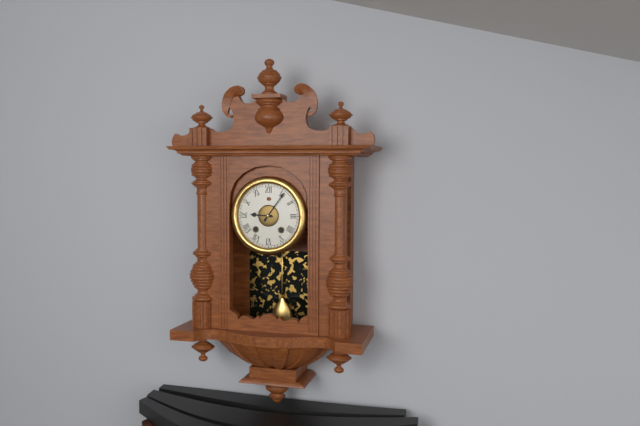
9:06
